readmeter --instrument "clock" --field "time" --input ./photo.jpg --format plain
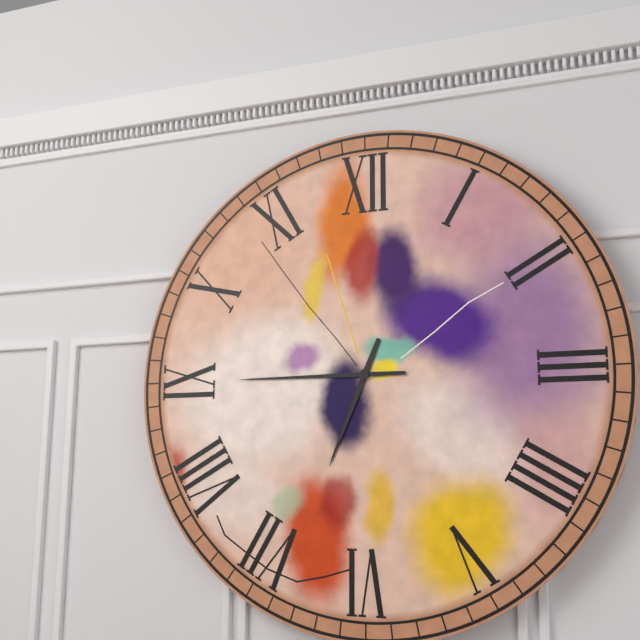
6:45
